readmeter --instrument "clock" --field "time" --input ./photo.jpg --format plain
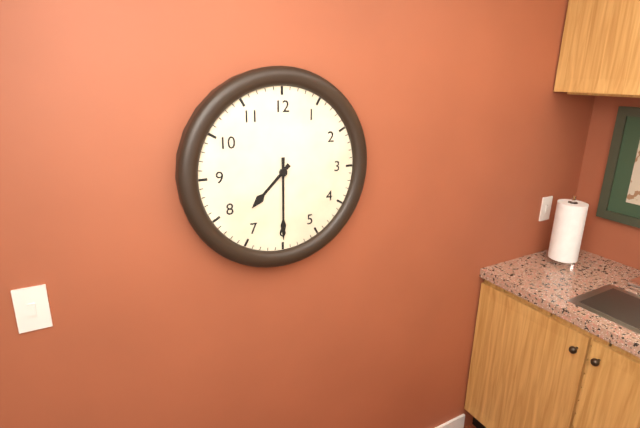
7:30
